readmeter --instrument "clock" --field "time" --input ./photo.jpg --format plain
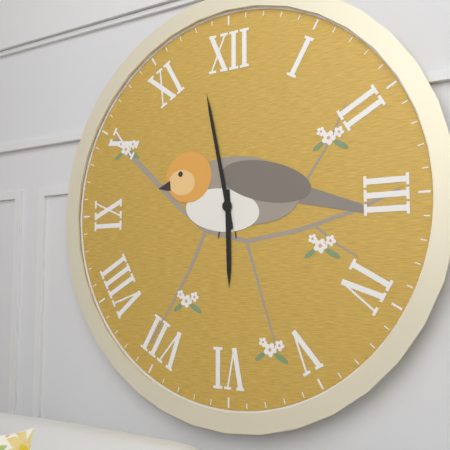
5:58
